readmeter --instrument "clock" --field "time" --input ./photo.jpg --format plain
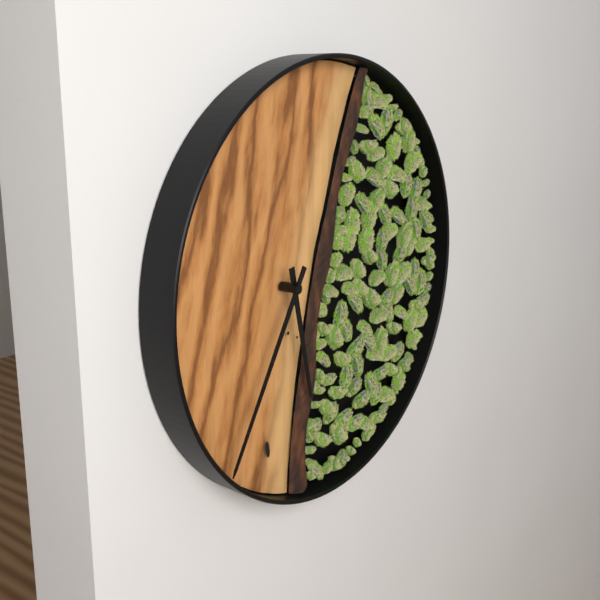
5:35
